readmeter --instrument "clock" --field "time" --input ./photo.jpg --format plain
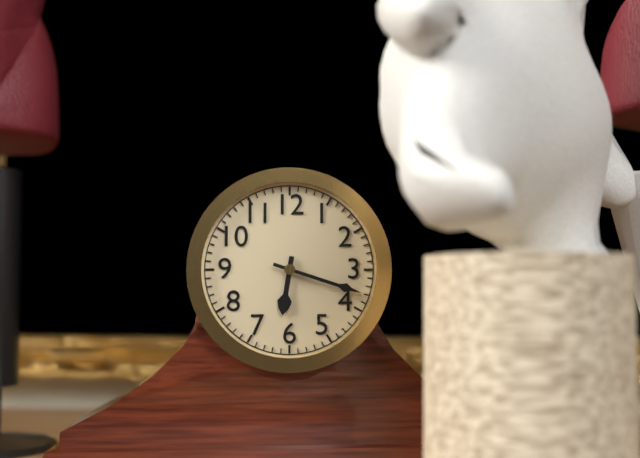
6:18
